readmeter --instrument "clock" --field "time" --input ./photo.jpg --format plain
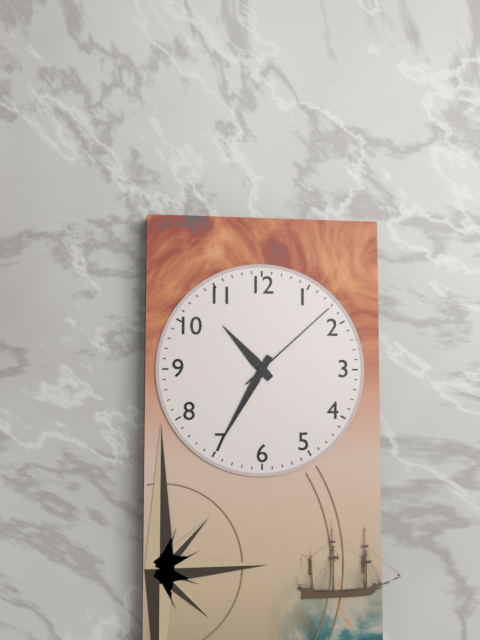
10:35:08
